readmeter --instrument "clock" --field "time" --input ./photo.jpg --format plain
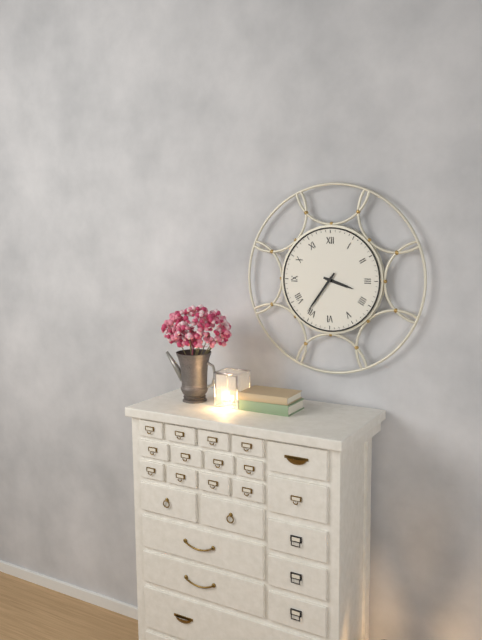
3:36
